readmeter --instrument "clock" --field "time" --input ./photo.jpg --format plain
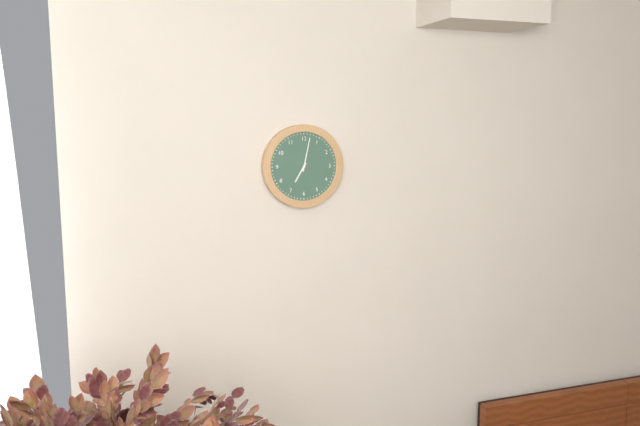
7:02
